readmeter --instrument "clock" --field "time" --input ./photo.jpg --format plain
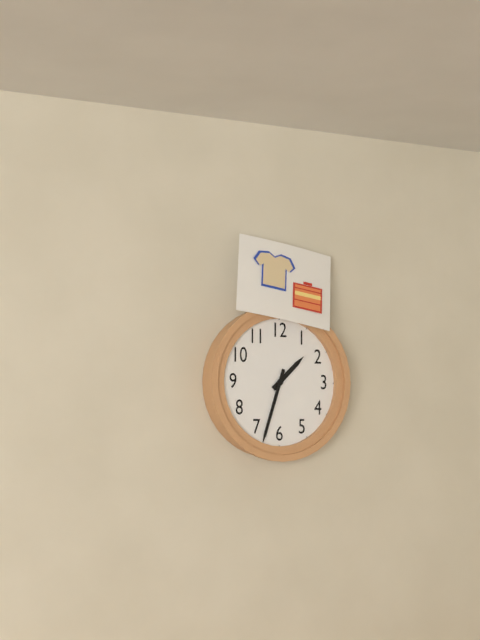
1:33
